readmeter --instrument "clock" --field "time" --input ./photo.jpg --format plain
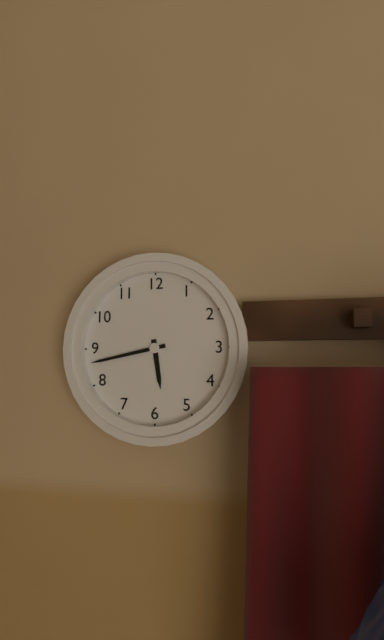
5:43
